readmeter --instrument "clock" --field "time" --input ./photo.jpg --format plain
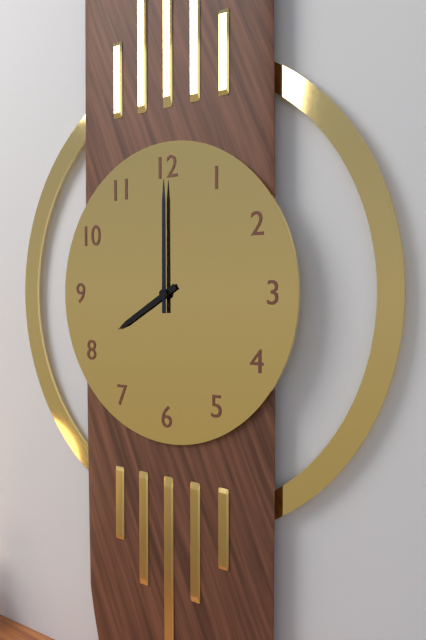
8:00
